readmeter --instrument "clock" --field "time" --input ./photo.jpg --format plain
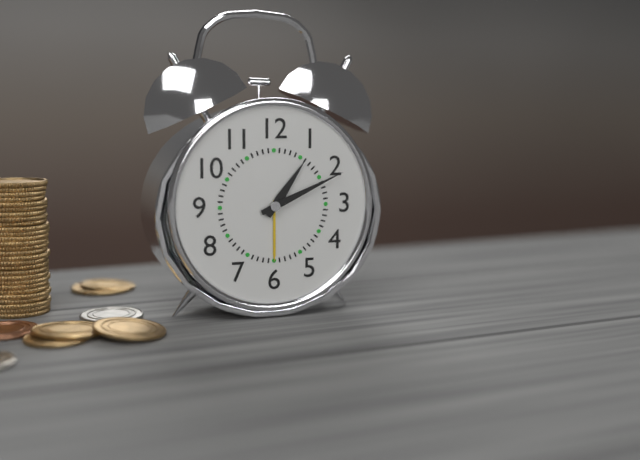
1:11
